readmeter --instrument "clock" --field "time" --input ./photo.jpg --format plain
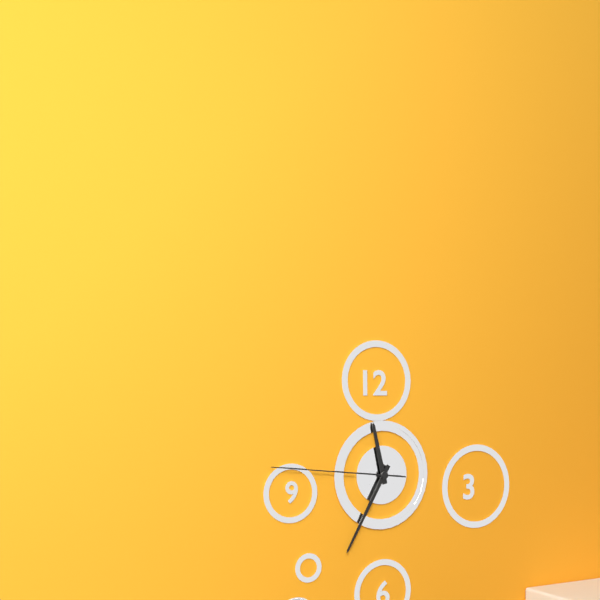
11:35:46
